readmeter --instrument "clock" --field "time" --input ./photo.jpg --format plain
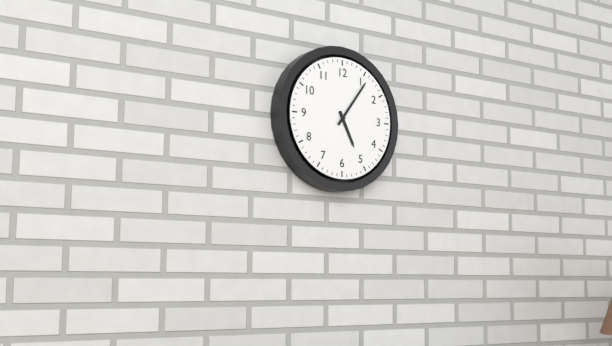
5:06
